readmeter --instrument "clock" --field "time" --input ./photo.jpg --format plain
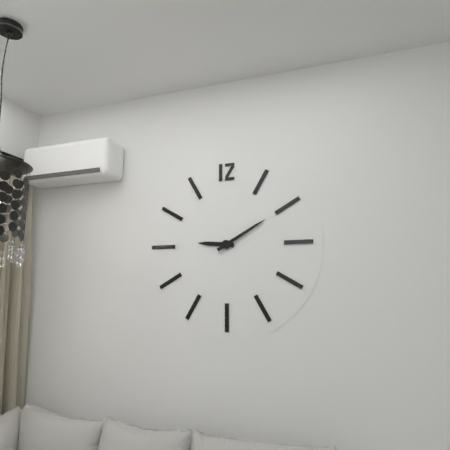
9:10
